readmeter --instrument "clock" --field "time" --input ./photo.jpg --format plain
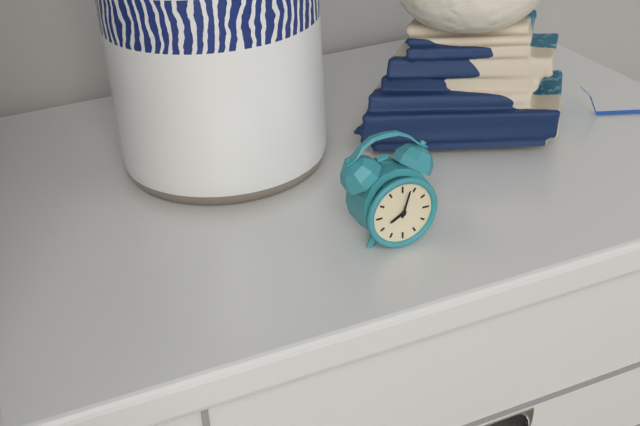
8:03
